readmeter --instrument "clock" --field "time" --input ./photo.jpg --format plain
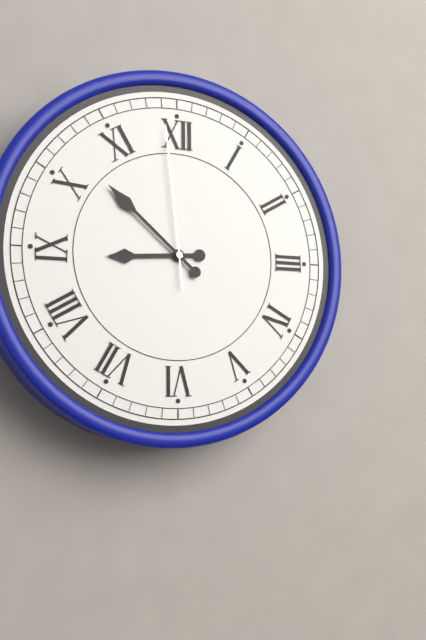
8:52:59
